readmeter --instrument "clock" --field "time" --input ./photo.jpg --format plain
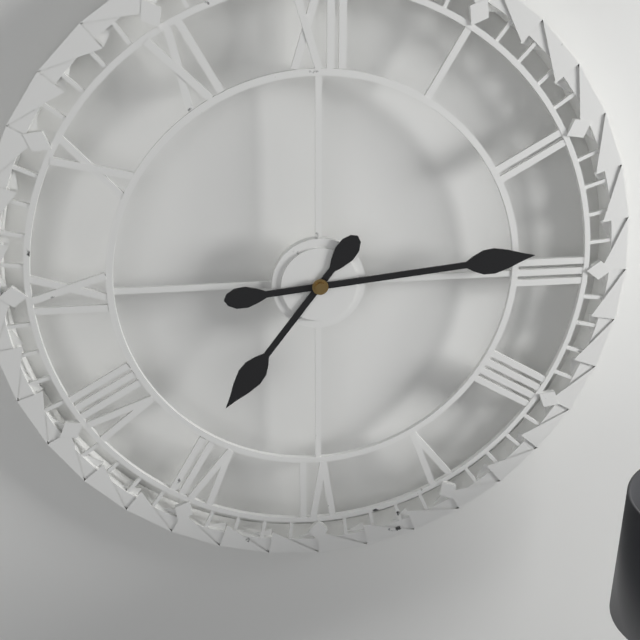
7:14
